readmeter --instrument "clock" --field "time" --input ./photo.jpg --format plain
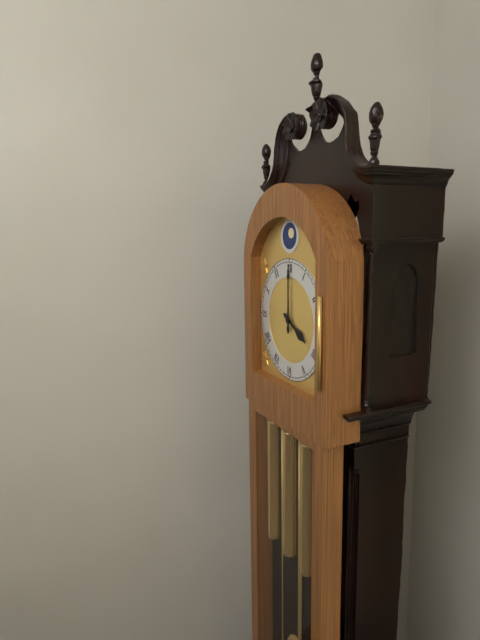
4:00
